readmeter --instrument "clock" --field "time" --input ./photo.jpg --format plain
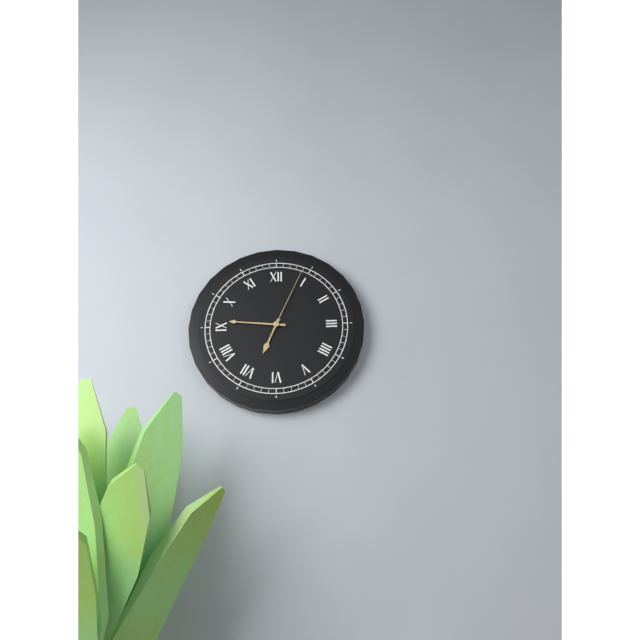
6:46:04
